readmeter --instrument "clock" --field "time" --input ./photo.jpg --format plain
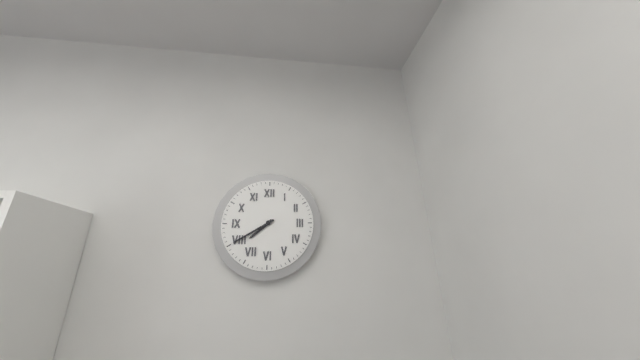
7:40
